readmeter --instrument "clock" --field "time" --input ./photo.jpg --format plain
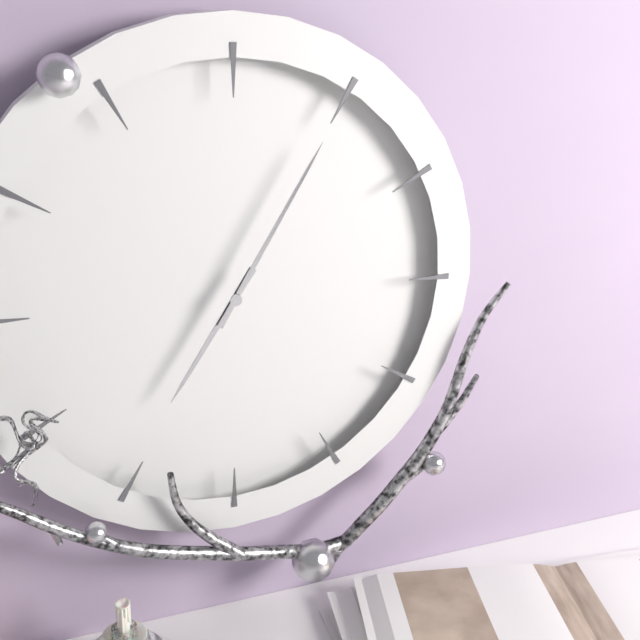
7:05
